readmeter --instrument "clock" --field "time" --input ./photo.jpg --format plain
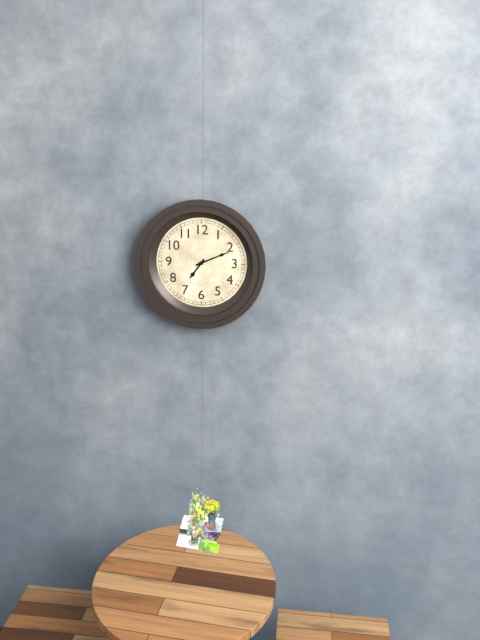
7:11
